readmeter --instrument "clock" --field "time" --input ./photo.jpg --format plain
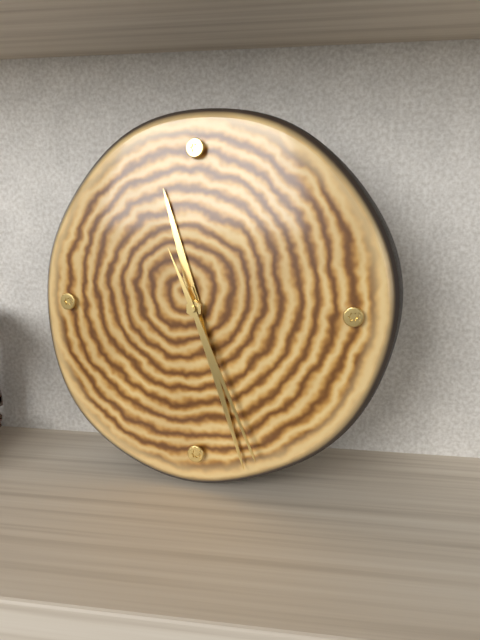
11:27:26
